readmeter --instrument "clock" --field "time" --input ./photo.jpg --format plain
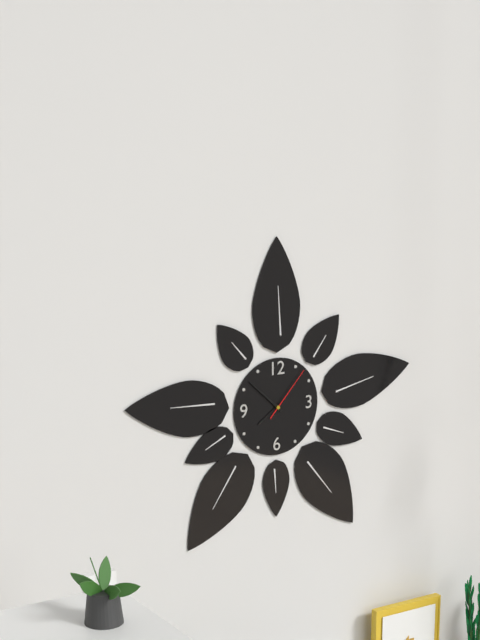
7:52:07
